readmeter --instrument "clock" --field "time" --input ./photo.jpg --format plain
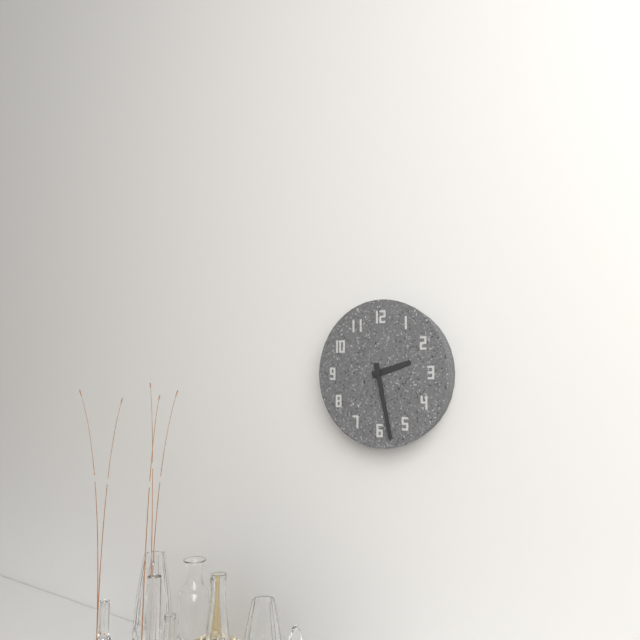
2:28
